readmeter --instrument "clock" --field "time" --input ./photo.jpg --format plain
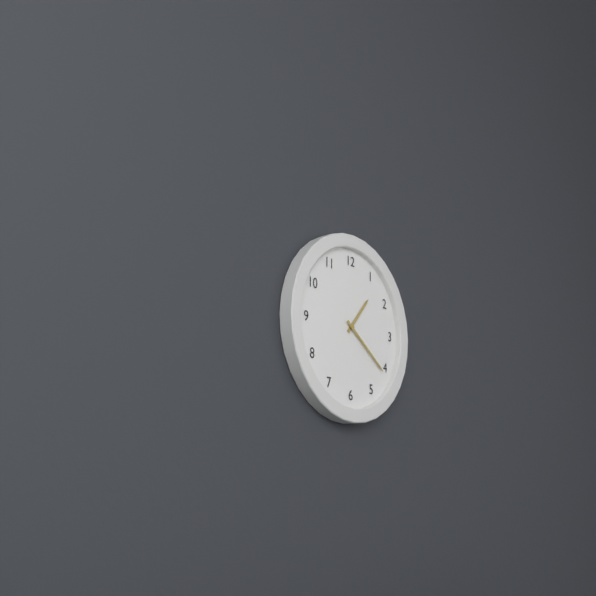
1:21
